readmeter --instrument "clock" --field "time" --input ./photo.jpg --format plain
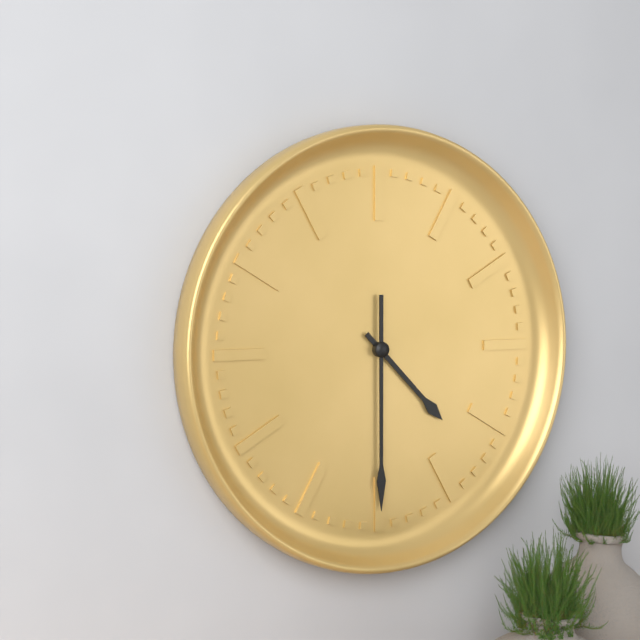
4:30
